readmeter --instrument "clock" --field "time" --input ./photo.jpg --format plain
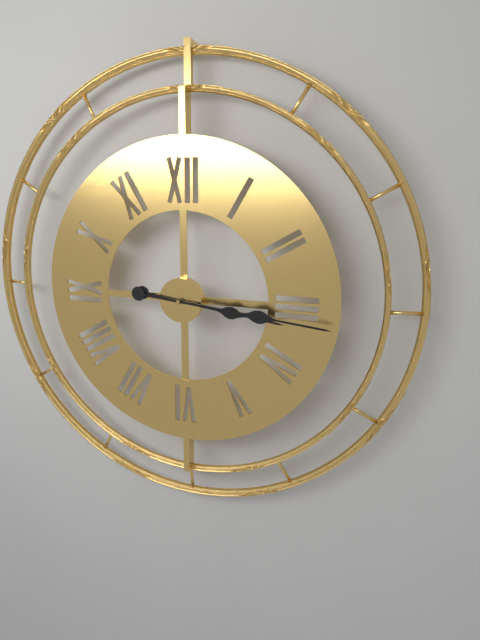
3:16
